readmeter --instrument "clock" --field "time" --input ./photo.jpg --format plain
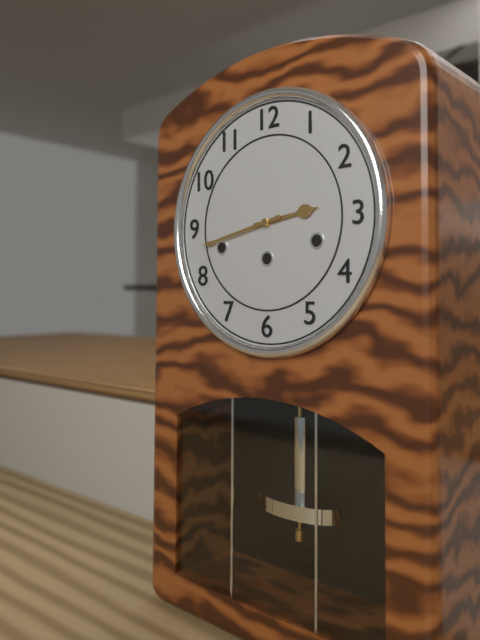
2:43
